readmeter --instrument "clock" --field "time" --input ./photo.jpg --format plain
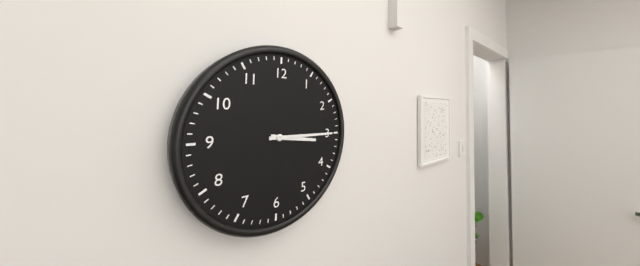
3:15
